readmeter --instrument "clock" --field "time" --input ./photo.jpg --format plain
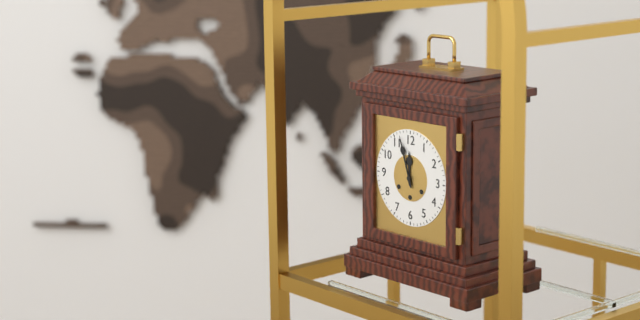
11:57
